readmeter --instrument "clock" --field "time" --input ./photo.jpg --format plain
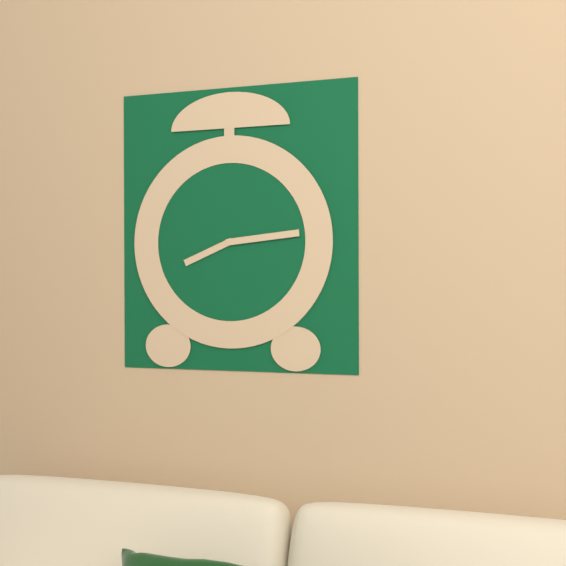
8:14
